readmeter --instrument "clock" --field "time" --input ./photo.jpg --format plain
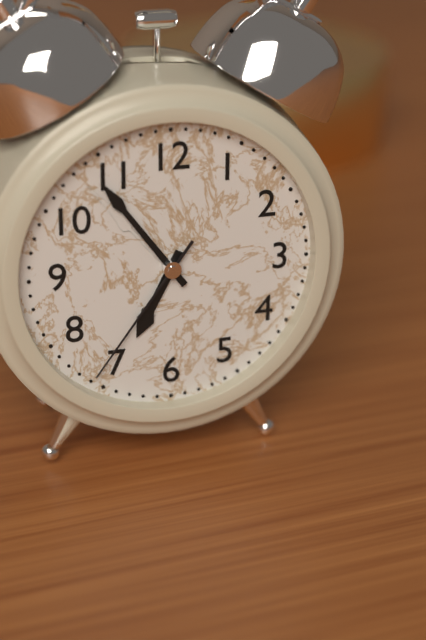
6:54:36
